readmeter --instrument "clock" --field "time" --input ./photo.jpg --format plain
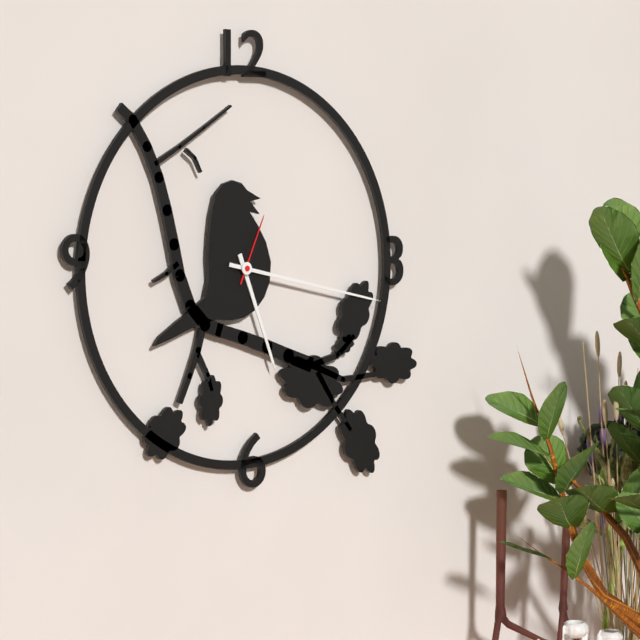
5:17:04
